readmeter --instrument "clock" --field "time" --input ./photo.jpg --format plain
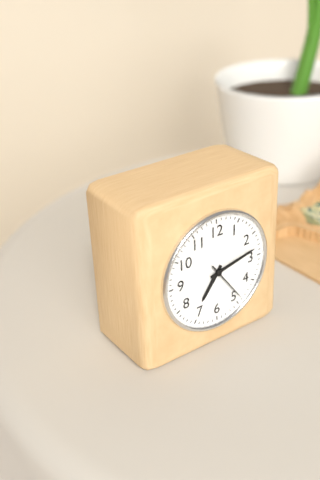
7:13
